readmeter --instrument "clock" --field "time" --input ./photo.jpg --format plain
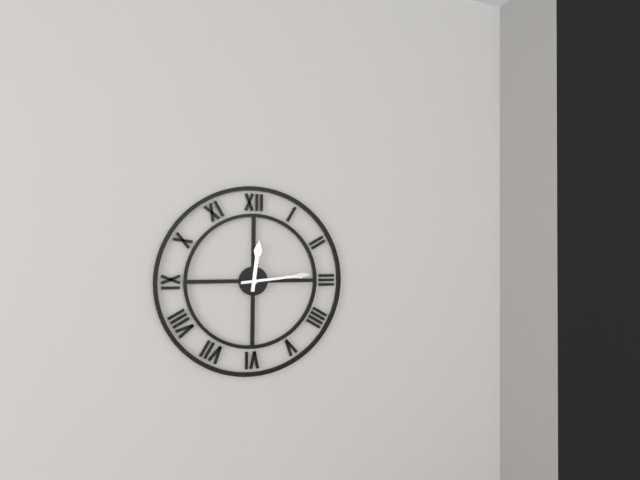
12:14
